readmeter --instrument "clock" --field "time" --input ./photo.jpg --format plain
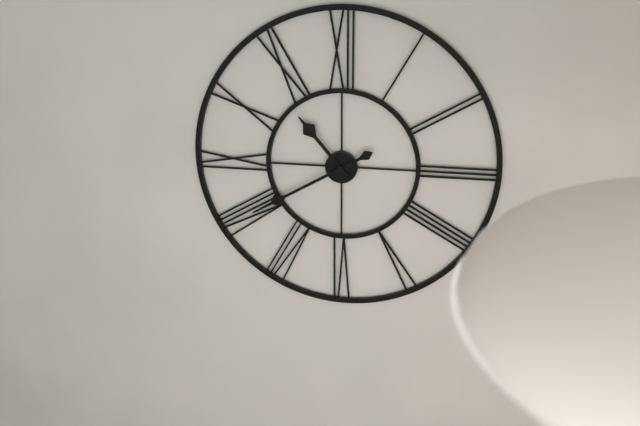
10:40
